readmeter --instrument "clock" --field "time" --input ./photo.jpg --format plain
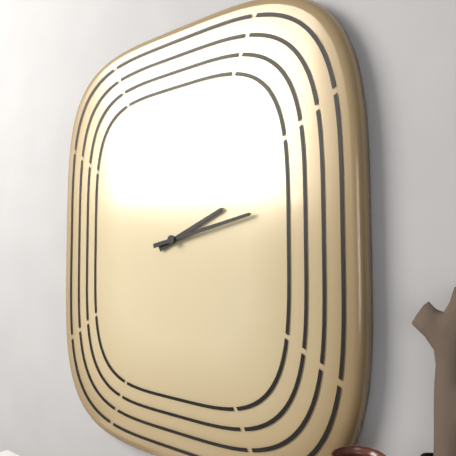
2:13
